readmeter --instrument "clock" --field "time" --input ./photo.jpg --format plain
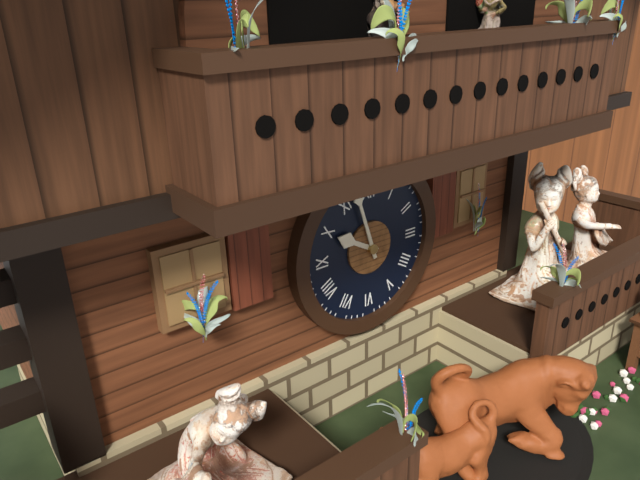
9:57
